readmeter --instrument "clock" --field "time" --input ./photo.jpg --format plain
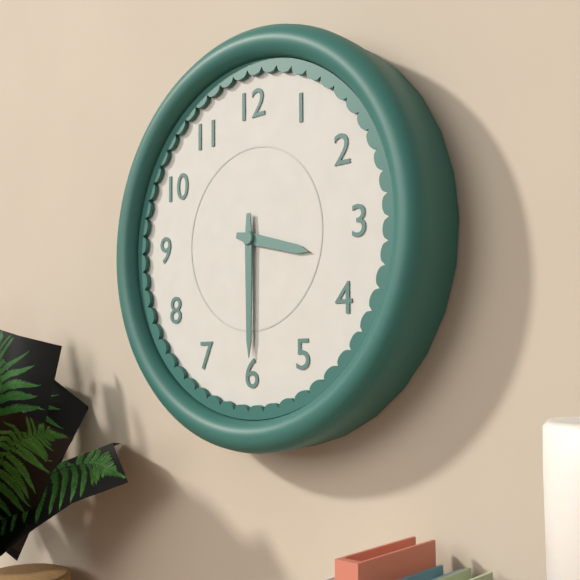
3:30
